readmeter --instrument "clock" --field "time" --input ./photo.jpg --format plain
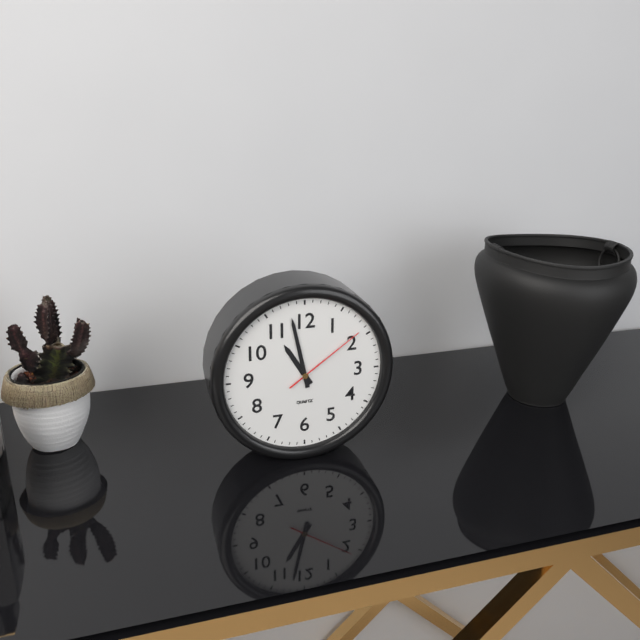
10:58:09
